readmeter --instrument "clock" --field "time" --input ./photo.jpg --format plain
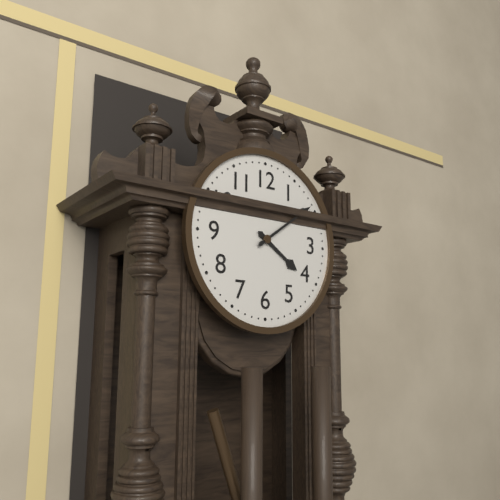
4:09
